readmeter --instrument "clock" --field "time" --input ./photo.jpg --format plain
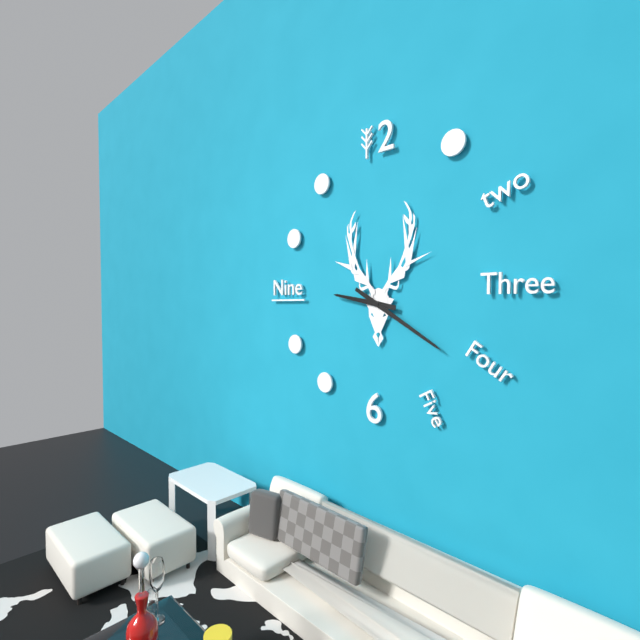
9:20
